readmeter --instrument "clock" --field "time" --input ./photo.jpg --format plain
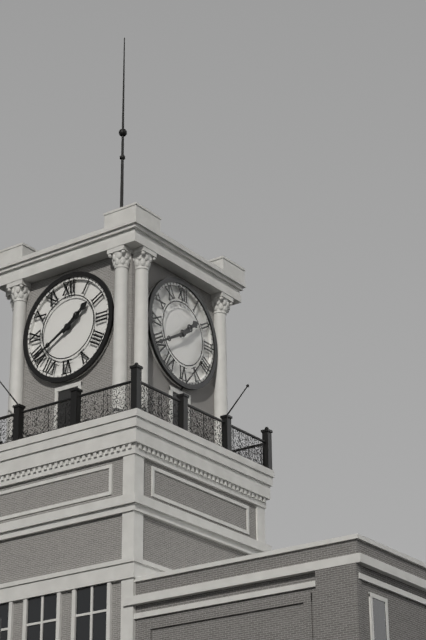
1:40
